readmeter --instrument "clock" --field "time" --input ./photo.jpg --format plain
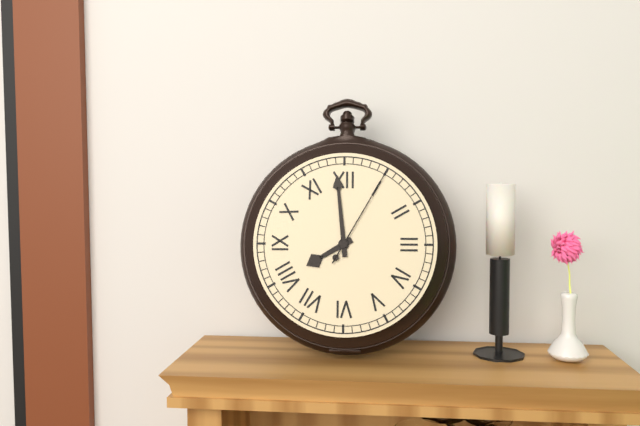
7:59:05
